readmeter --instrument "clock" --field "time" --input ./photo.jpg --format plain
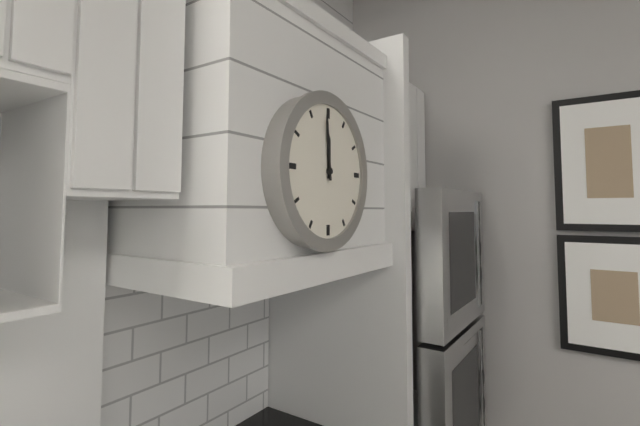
11:59
